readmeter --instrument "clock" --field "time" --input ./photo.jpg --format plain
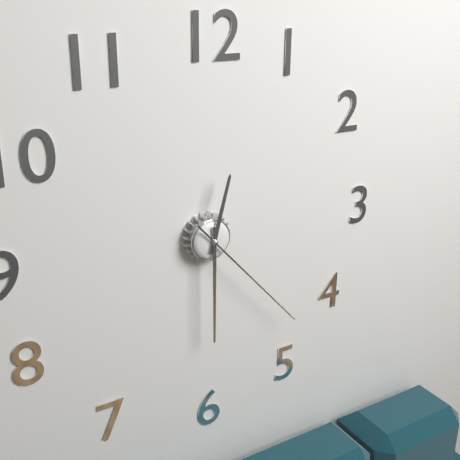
12:30:23
